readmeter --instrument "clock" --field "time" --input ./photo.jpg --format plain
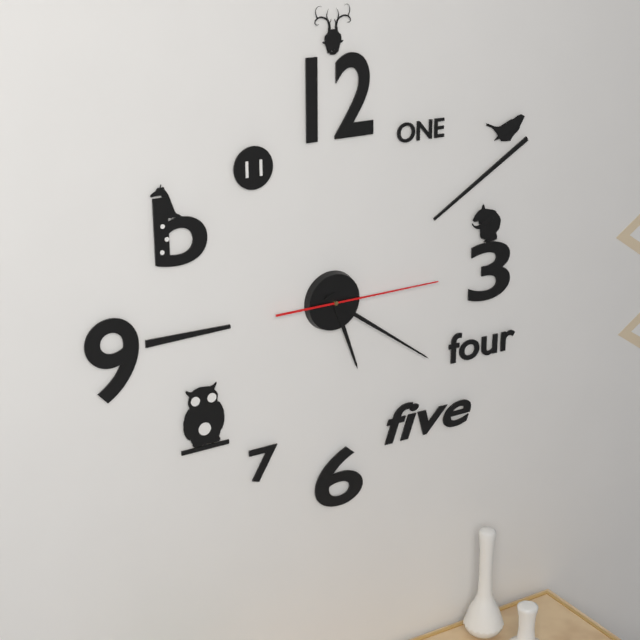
5:21:15
